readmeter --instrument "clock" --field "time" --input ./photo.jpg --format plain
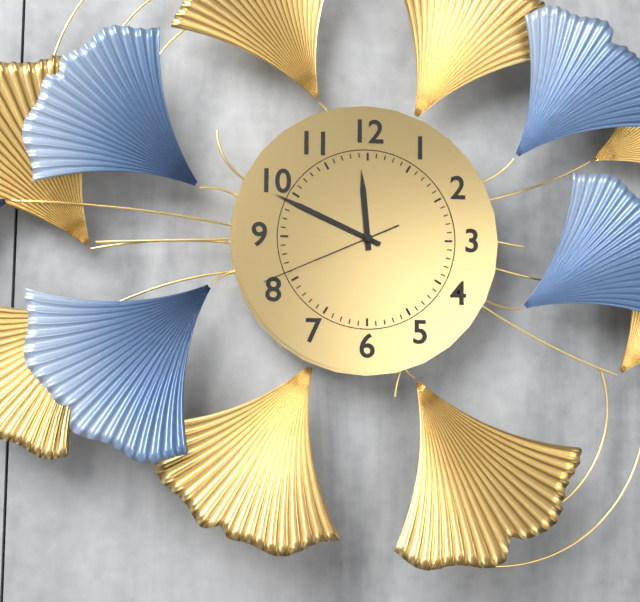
11:49:41
